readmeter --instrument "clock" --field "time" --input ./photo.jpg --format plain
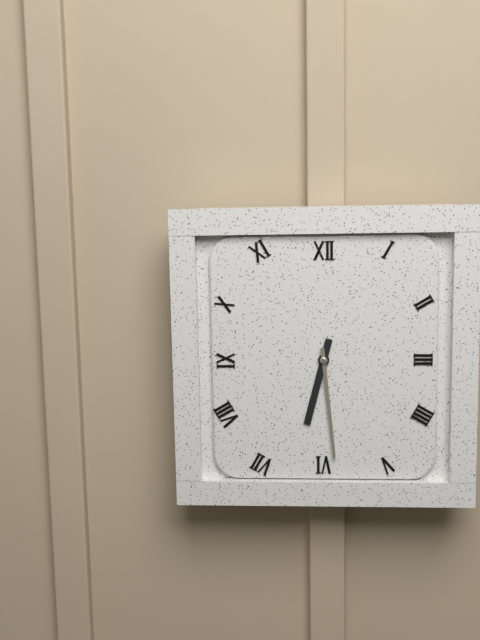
6:29
